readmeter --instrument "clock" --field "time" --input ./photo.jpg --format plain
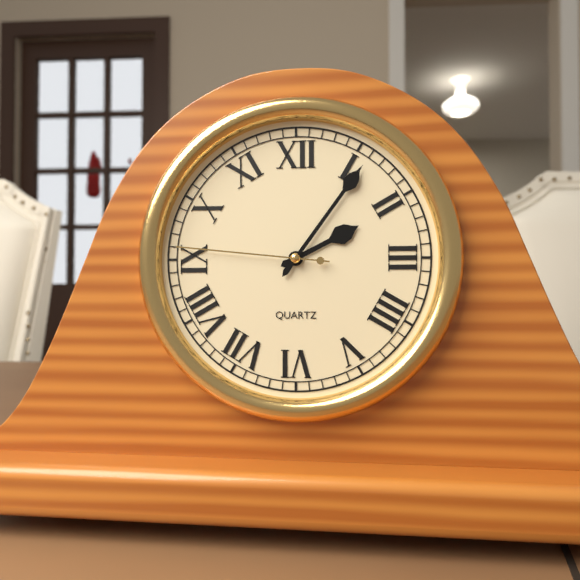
2:06:46
